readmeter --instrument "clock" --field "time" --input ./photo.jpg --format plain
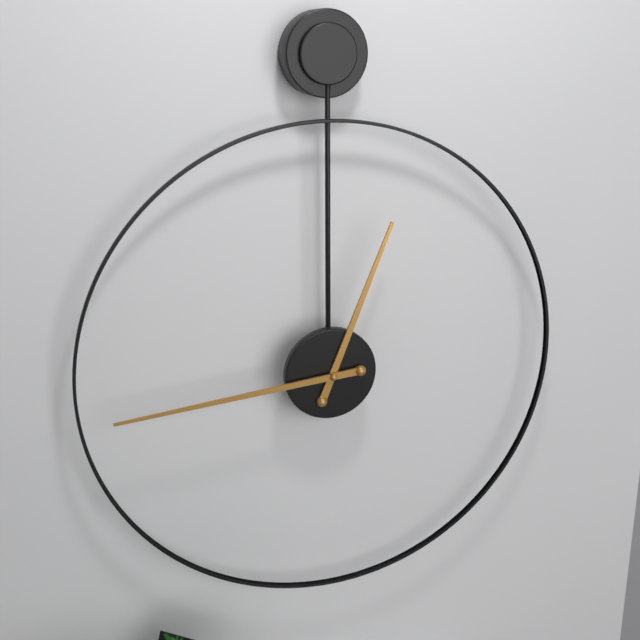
12:44
